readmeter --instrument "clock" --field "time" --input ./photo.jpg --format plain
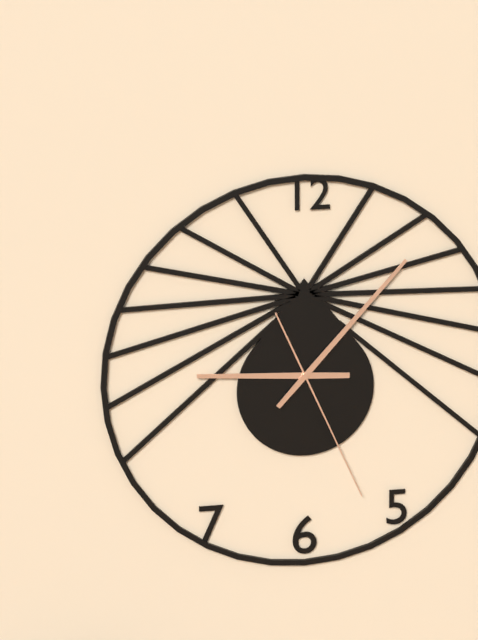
9:07:26
